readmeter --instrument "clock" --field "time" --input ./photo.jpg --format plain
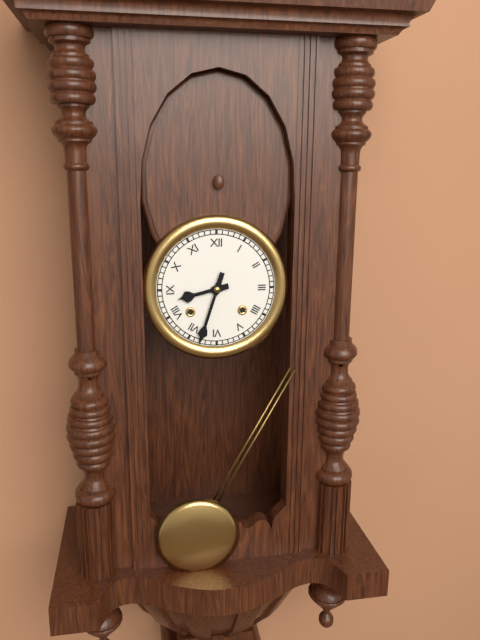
8:33
